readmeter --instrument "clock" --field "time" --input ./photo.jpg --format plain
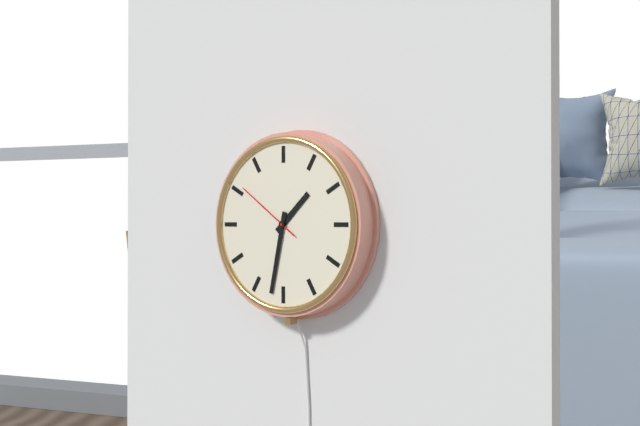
1:32:51
